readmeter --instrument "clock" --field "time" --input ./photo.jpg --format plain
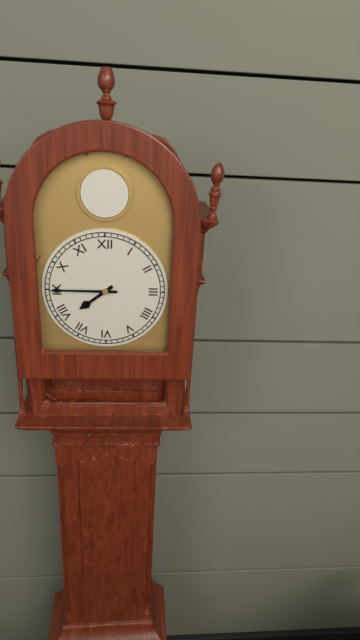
7:45
